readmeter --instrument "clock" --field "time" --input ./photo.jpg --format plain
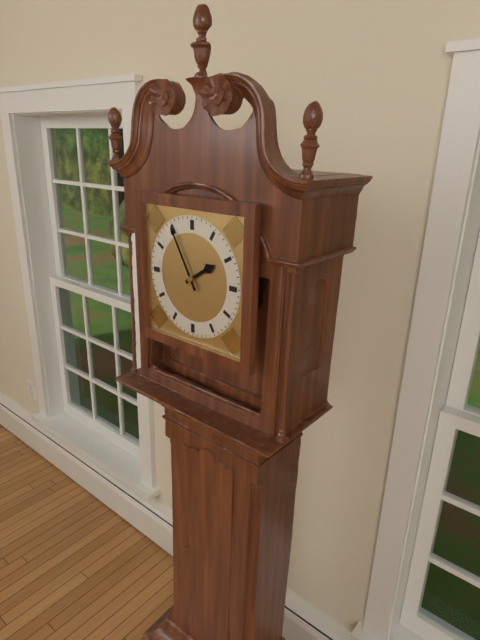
1:55
